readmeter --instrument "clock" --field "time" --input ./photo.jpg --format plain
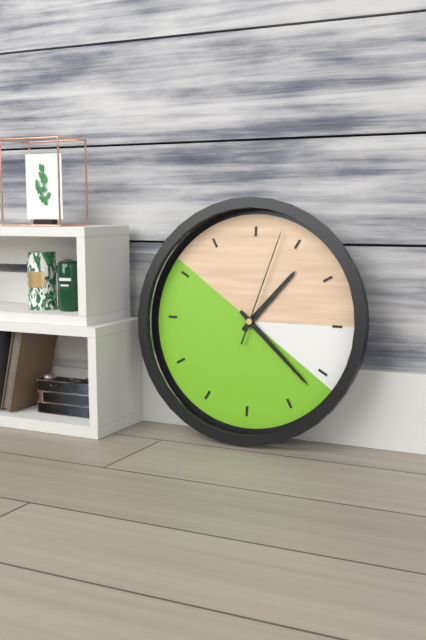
1:22:03
